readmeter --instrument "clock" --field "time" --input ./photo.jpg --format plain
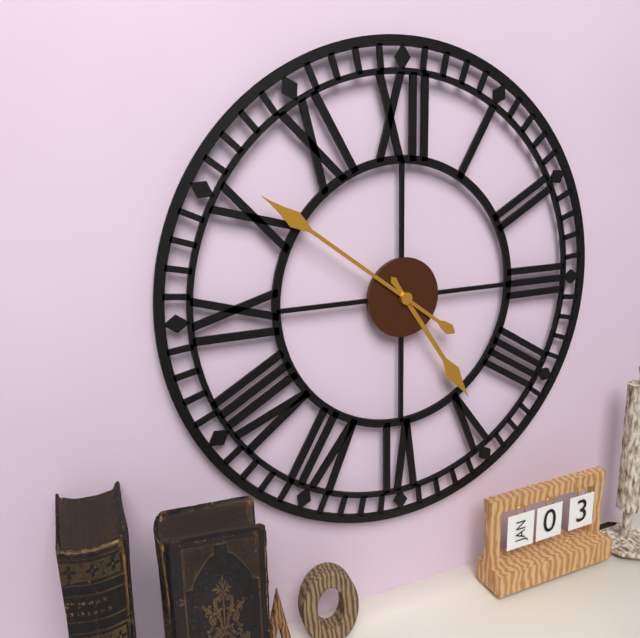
4:51
